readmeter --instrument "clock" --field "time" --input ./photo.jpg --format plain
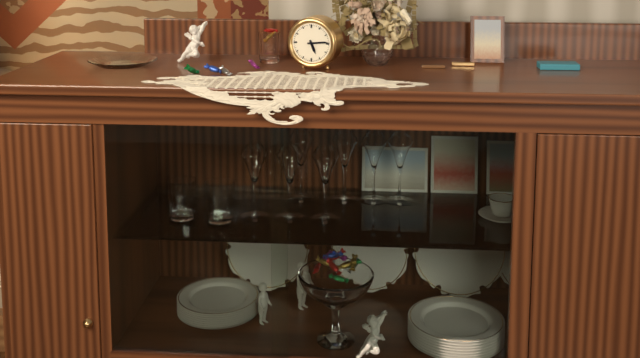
5:14
